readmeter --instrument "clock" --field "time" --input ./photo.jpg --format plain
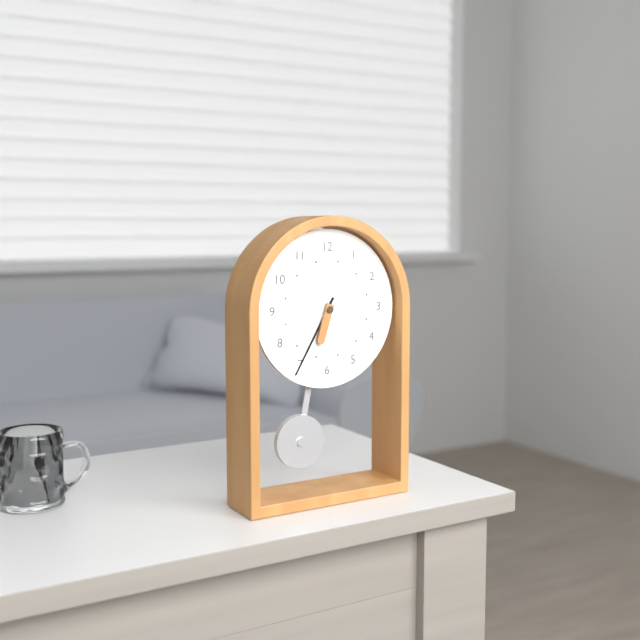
6:35
